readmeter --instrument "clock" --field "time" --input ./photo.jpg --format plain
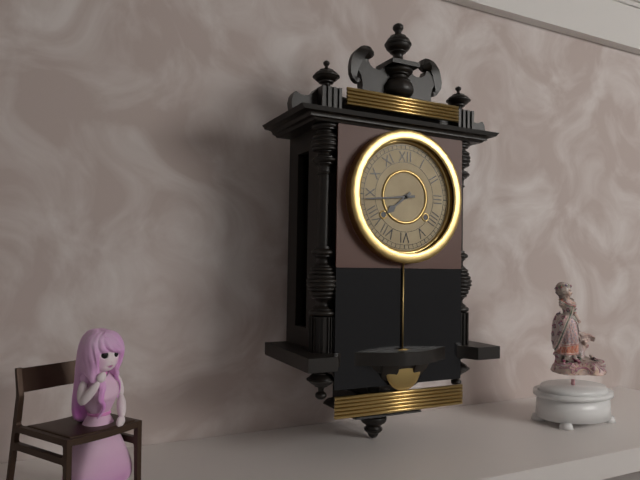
7:44
